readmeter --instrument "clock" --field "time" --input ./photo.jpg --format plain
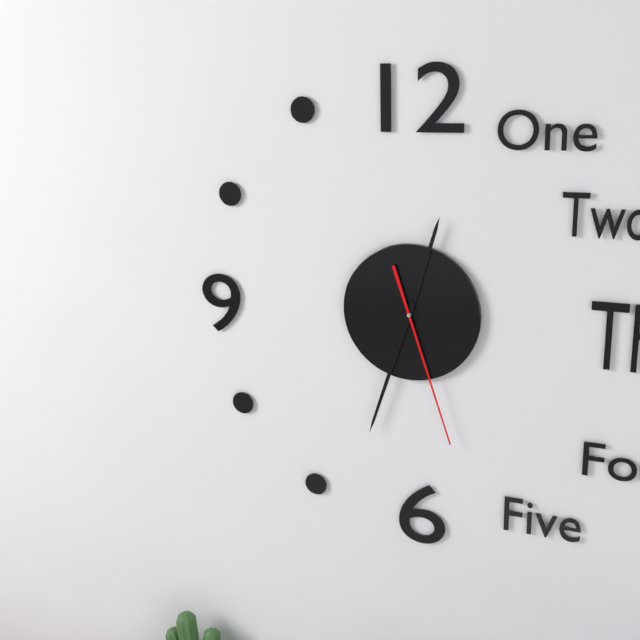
12:33:27
